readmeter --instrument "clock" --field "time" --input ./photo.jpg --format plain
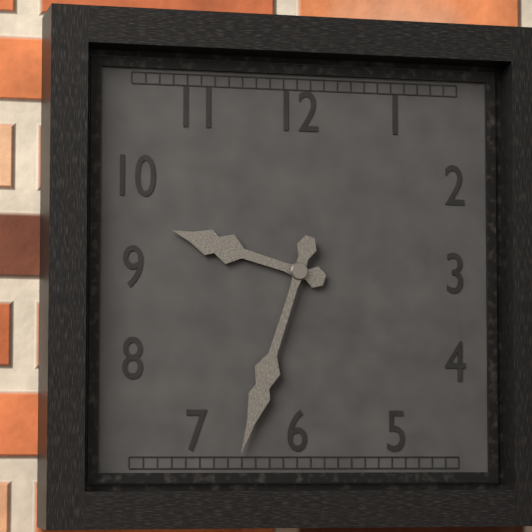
9:33
